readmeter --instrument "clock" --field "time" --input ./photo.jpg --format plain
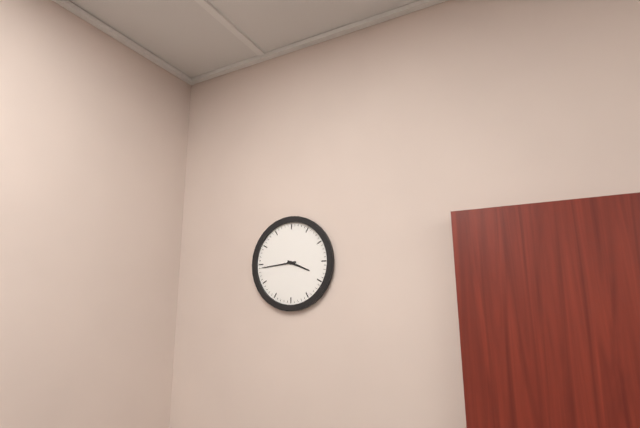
3:44
